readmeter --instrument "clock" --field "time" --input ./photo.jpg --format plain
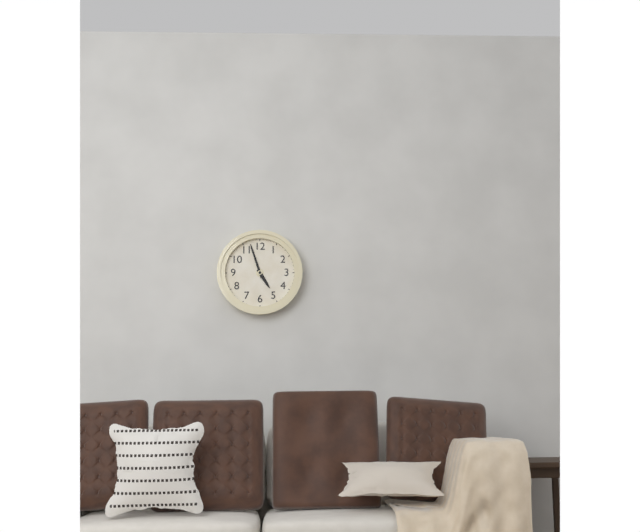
4:57
